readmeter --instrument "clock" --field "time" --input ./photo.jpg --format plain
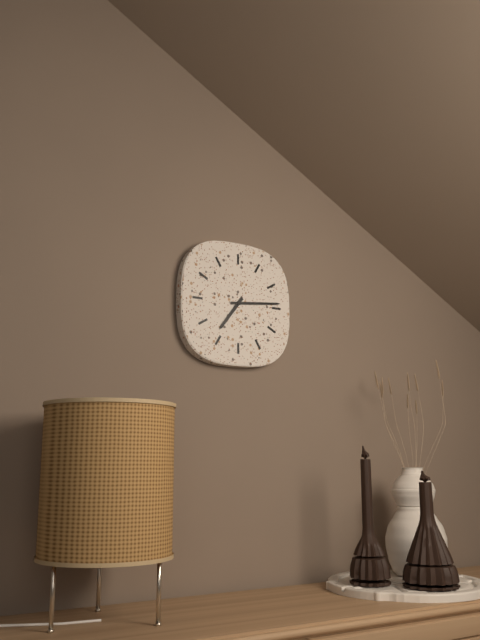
7:14
